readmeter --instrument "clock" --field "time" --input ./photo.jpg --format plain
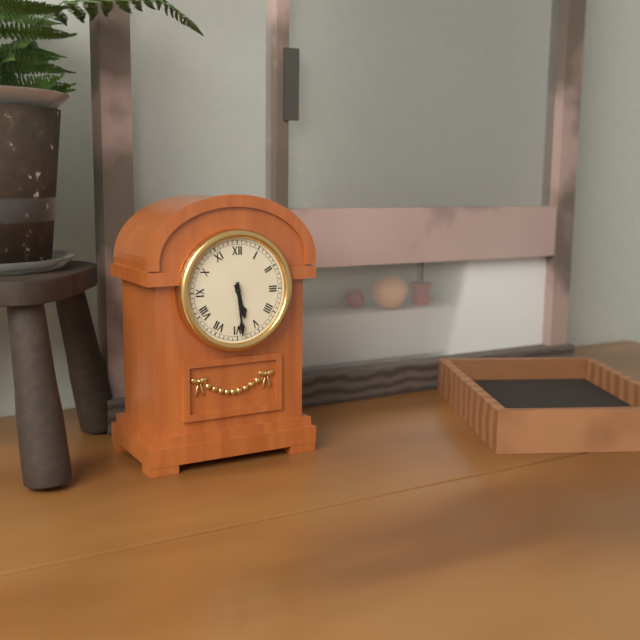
5:29
